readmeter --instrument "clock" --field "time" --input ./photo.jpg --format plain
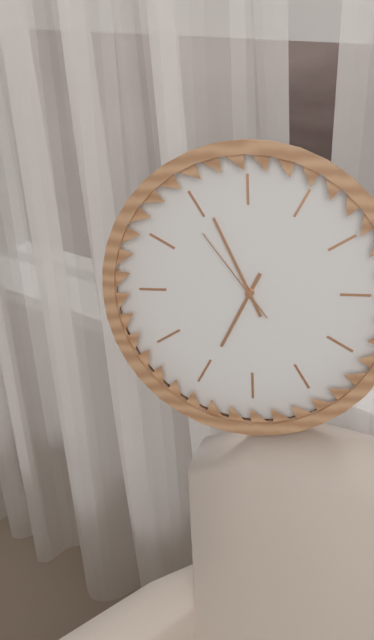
6:56:54
